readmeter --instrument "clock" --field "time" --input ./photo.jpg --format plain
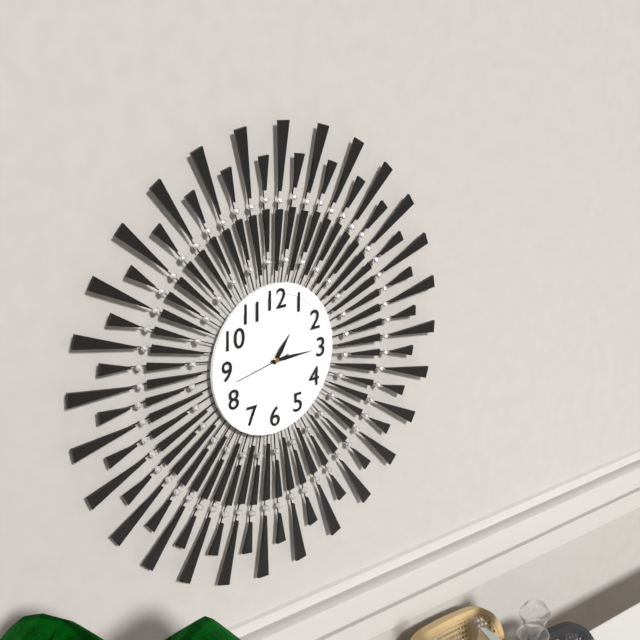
1:15
